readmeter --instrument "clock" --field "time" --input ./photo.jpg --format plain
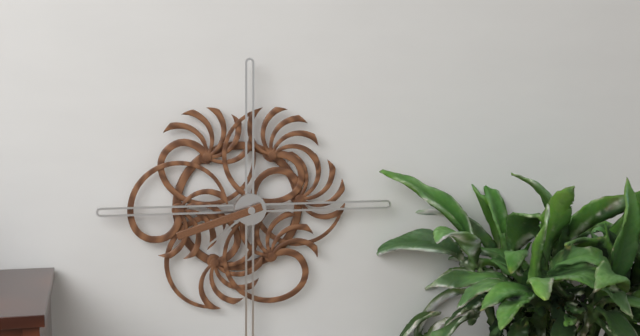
7:42
